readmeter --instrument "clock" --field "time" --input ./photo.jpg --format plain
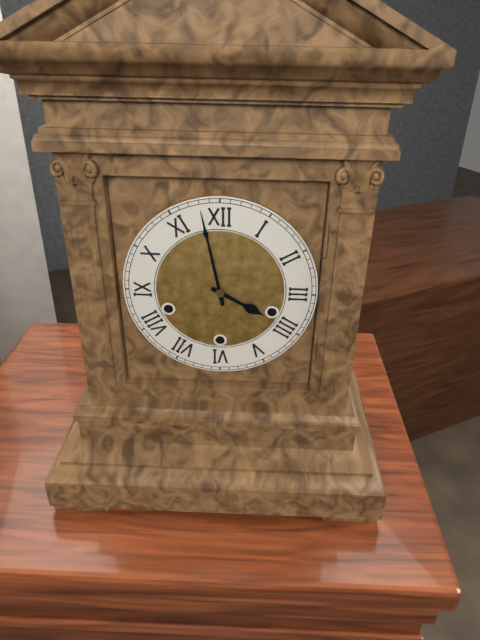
3:58
